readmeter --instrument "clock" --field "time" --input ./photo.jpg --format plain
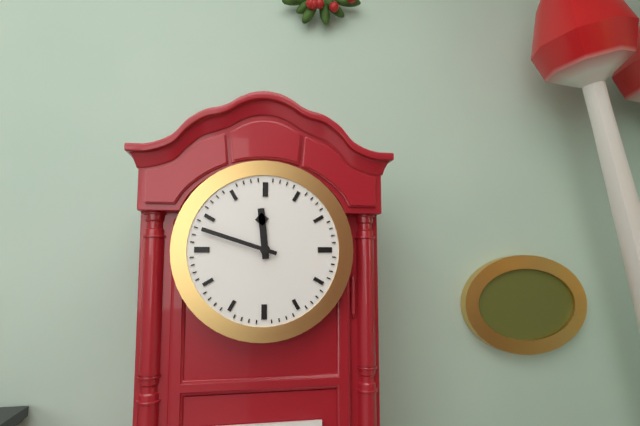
11:48
